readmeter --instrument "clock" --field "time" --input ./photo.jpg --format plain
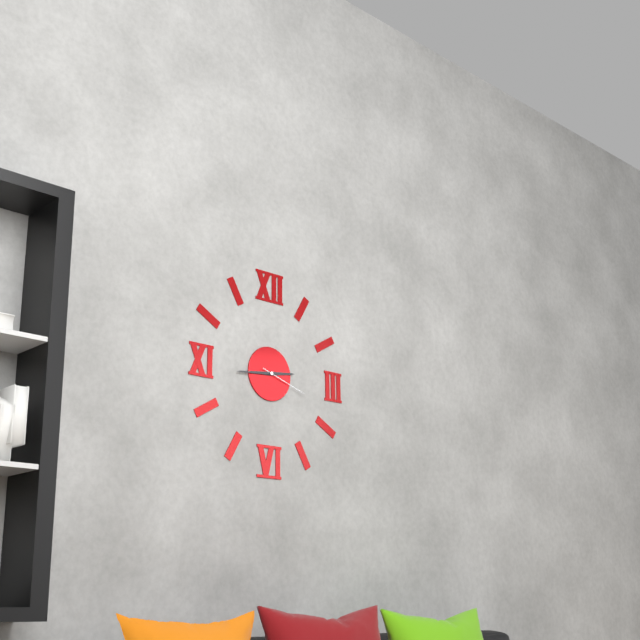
2:44:18
